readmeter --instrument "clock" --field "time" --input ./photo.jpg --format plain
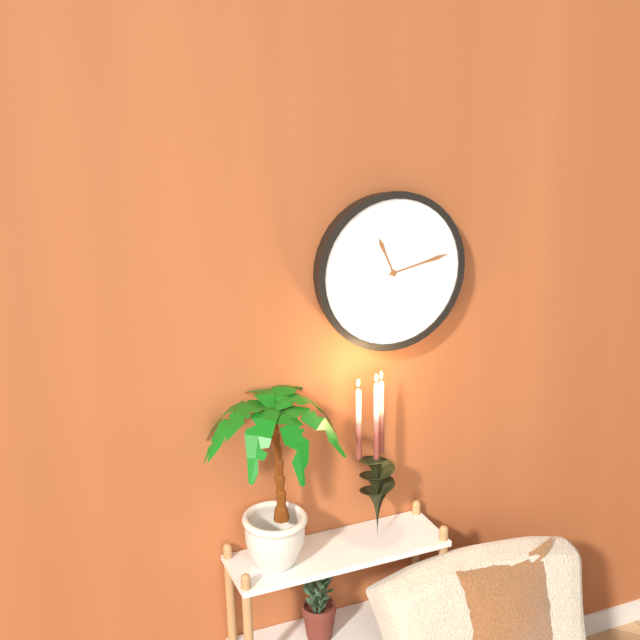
11:13
